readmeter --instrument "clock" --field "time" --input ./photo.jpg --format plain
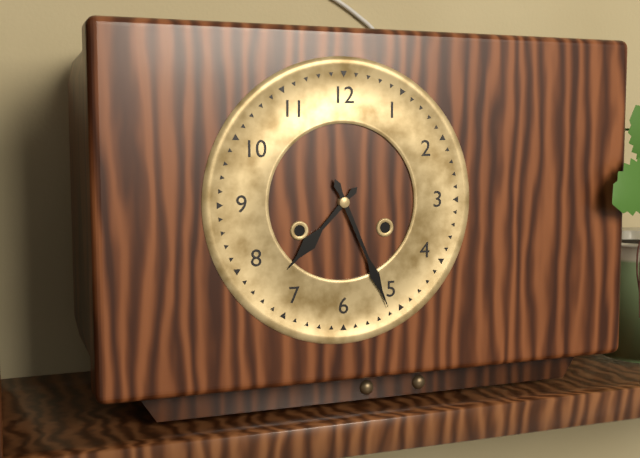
7:26
